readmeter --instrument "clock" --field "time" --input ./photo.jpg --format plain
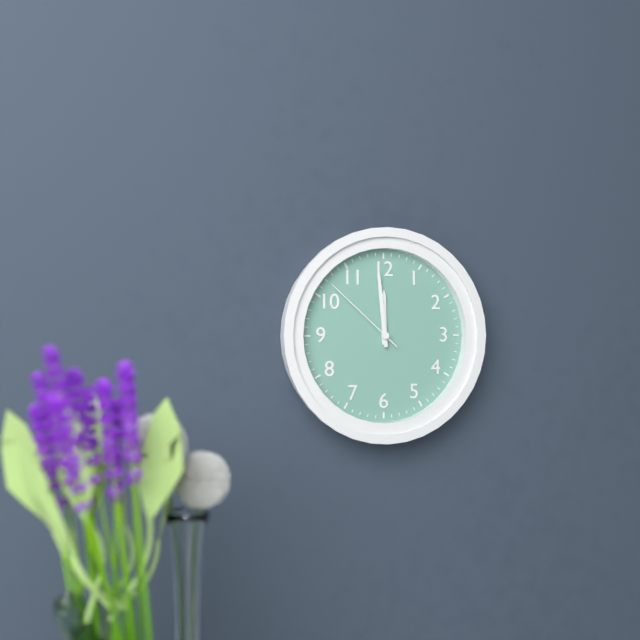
11:59:52
